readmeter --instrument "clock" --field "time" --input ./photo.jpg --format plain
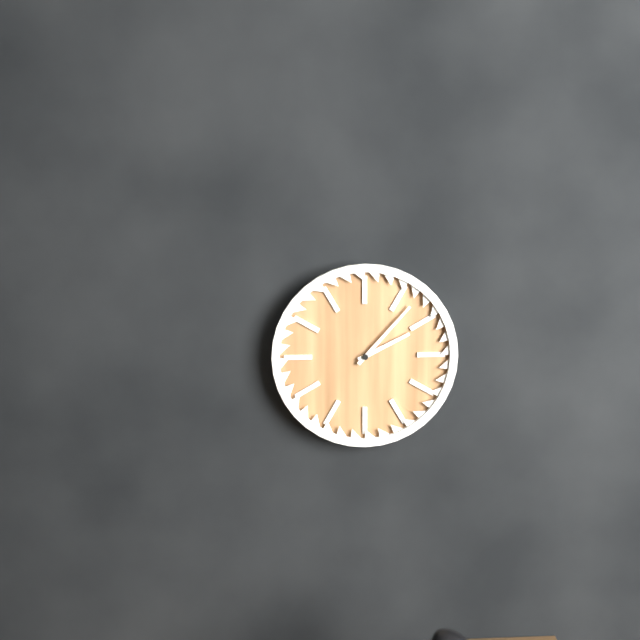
2:07
